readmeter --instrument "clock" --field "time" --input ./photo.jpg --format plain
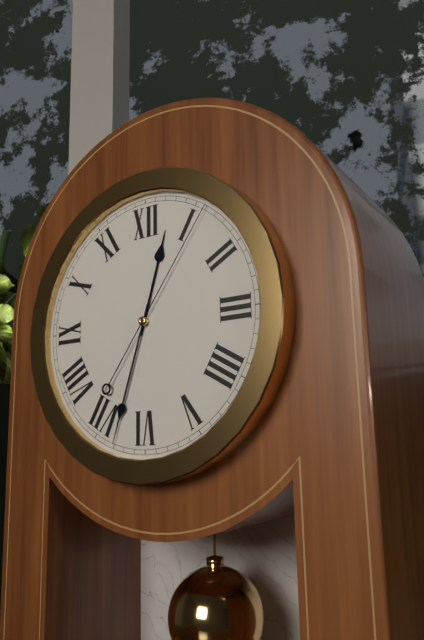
12:33:06
